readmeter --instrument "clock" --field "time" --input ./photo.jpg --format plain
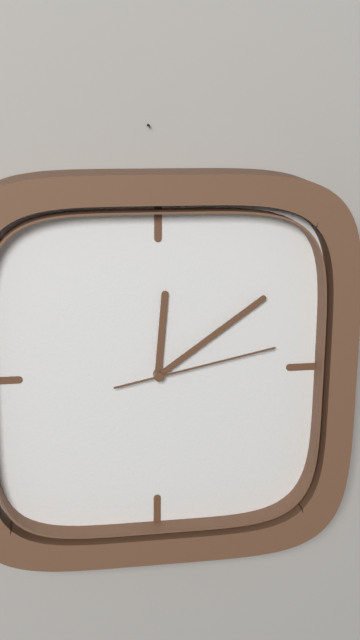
12:09:13
